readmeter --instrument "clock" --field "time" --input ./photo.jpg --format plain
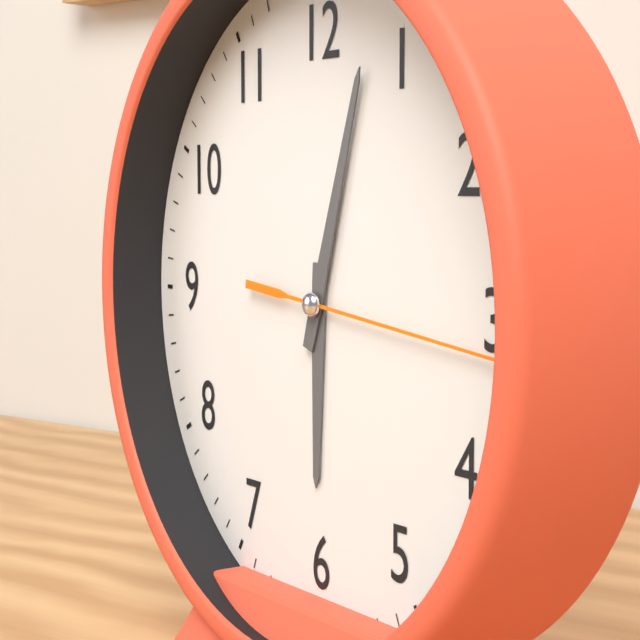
6:03:16
